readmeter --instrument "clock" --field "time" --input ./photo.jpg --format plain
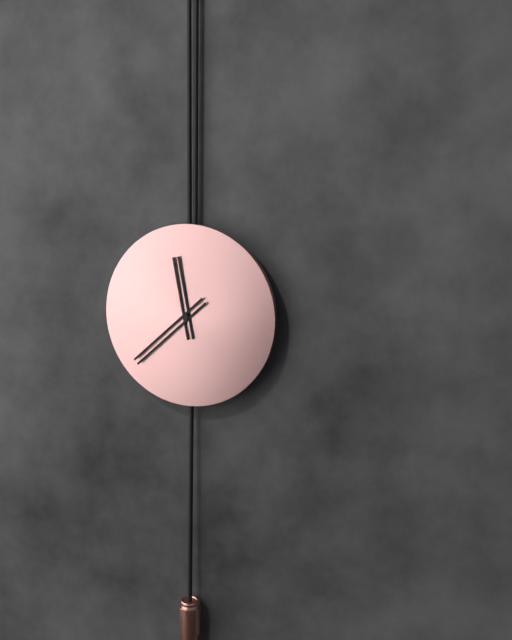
11:38
